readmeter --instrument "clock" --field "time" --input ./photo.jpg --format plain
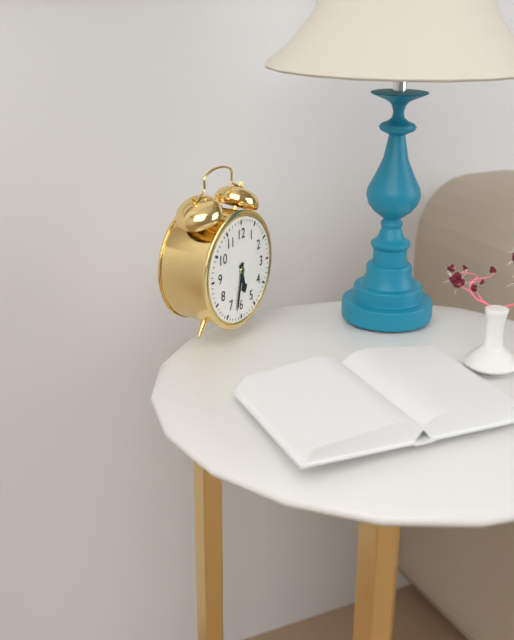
5:32
